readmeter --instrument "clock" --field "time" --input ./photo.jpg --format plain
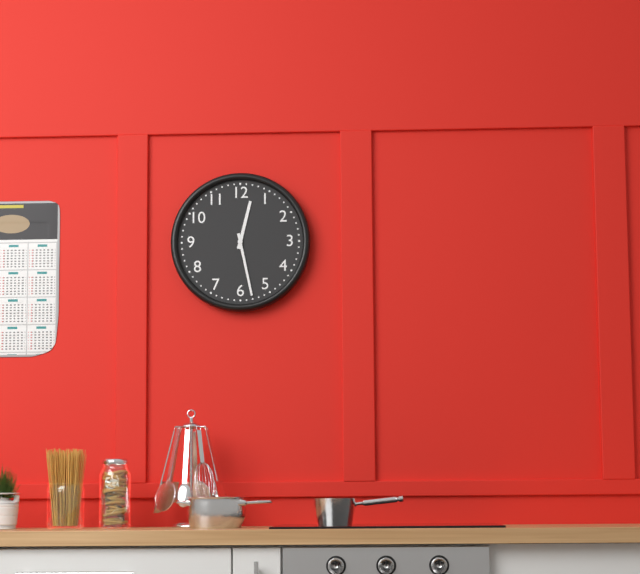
12:28
